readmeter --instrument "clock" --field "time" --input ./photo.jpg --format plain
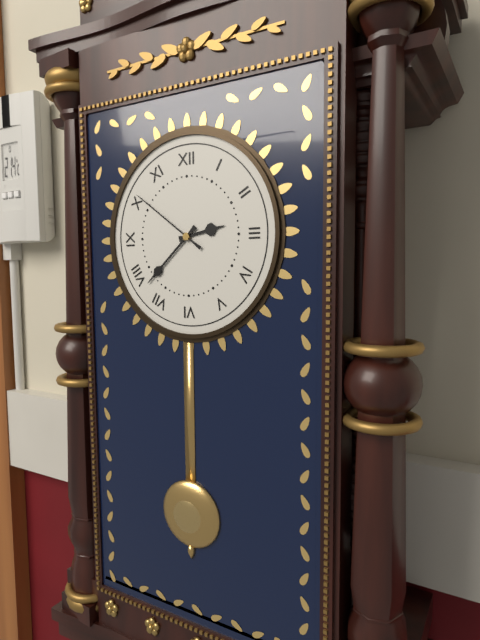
2:38:51
